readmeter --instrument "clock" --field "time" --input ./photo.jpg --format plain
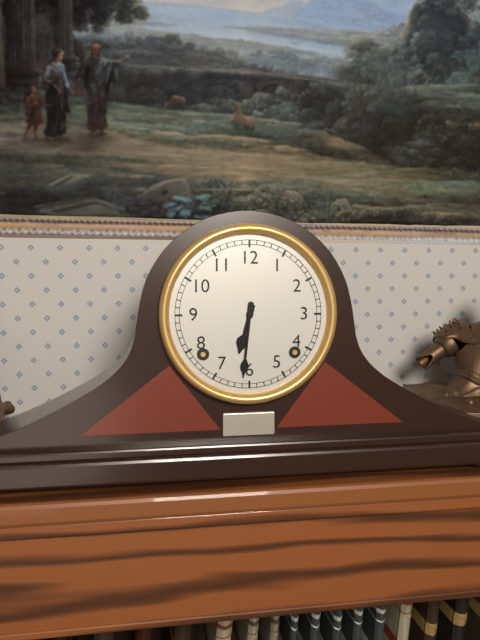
6:31
